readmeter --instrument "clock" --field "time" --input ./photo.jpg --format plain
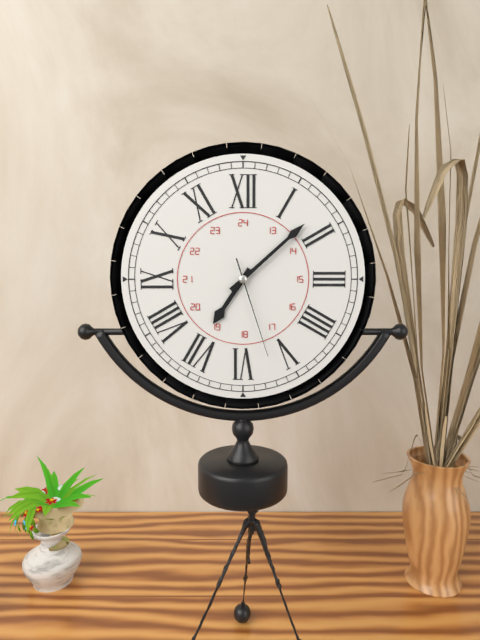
7:08:27
